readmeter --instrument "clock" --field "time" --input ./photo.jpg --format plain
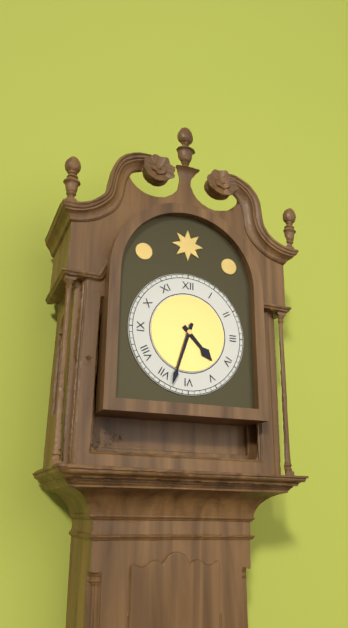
4:33
